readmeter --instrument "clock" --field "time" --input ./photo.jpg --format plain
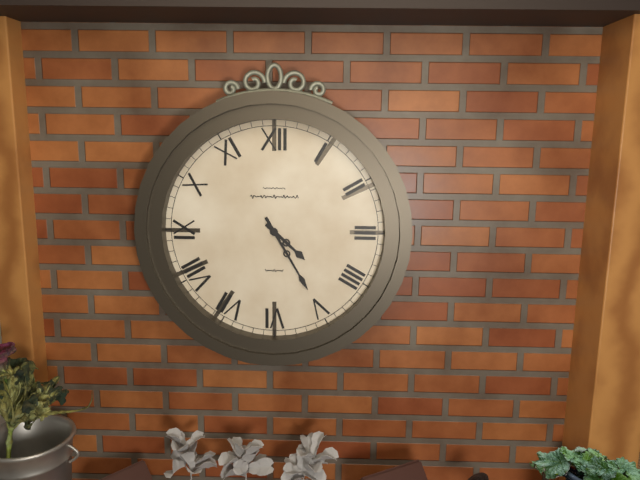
4:25
